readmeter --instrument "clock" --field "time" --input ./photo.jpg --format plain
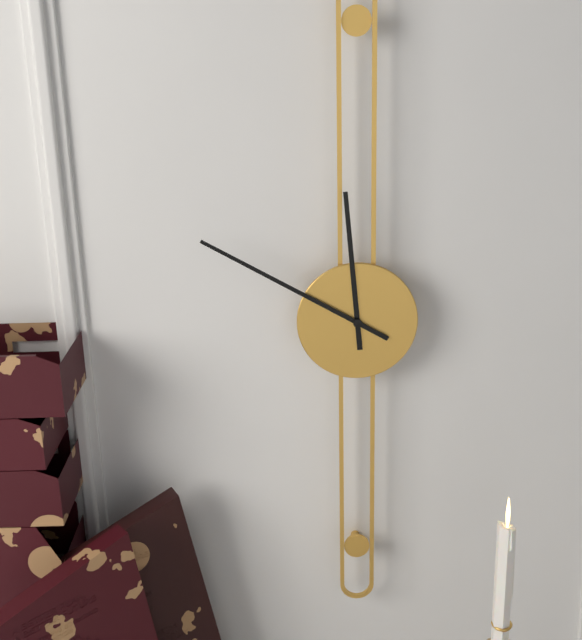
11:50
